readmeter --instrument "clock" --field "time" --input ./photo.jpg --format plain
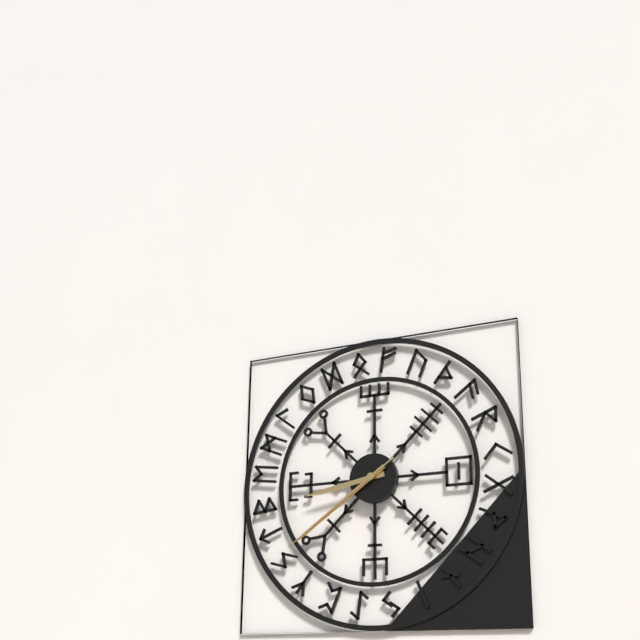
8:39:39
